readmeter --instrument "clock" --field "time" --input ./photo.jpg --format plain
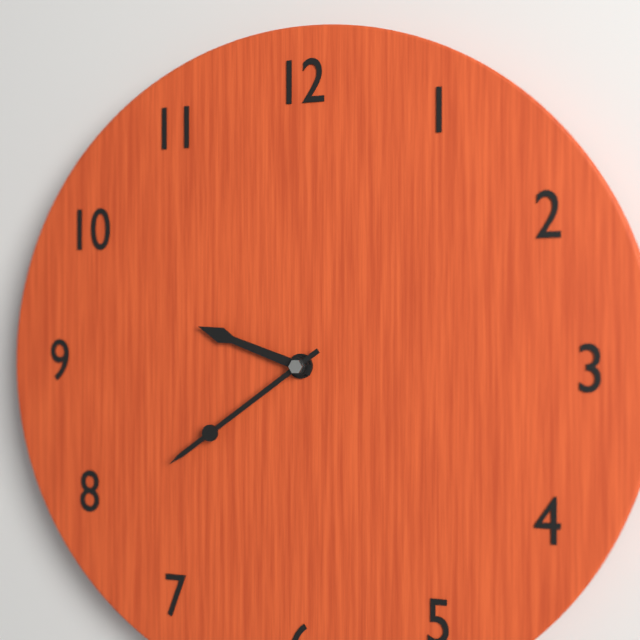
9:39
